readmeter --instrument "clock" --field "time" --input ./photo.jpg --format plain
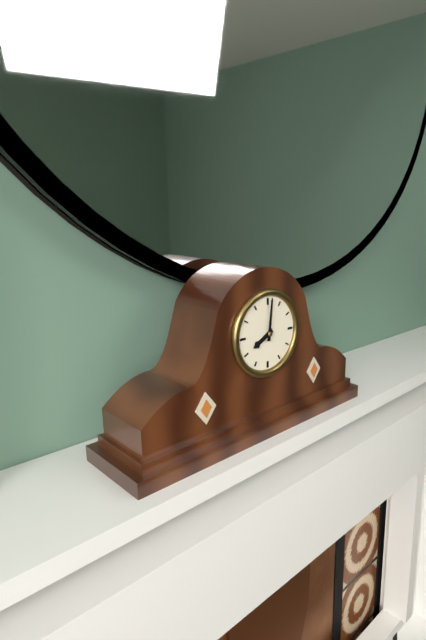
8:01
